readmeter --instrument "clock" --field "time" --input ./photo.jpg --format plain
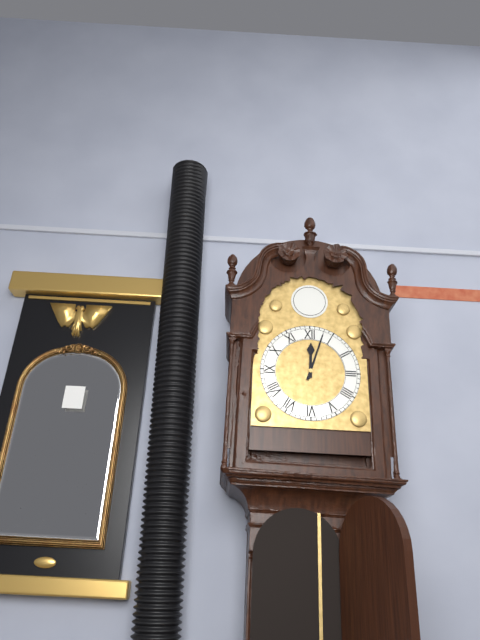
12:03
